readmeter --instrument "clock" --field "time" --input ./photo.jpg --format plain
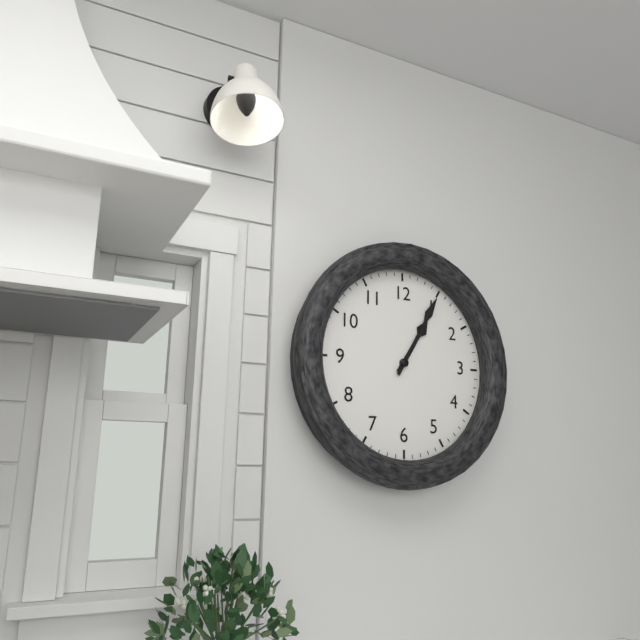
1:05
